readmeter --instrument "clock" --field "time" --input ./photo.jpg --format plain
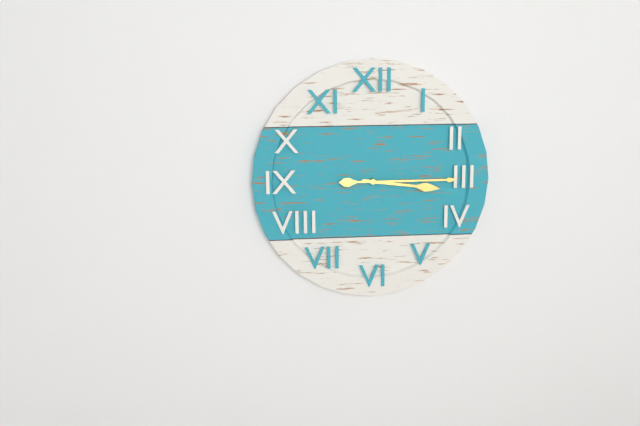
3:15
